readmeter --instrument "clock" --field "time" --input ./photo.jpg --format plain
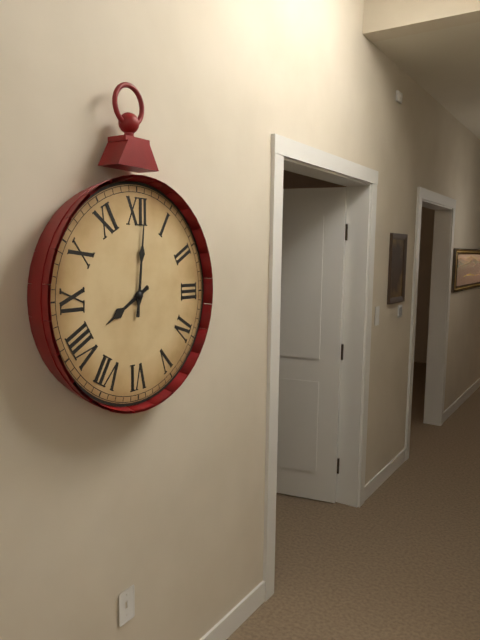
8:01
